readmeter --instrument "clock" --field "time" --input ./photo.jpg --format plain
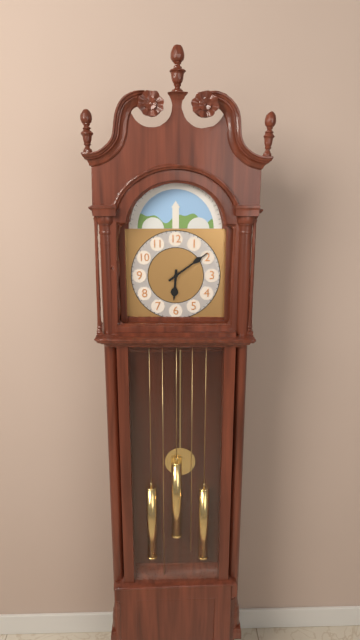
6:09
